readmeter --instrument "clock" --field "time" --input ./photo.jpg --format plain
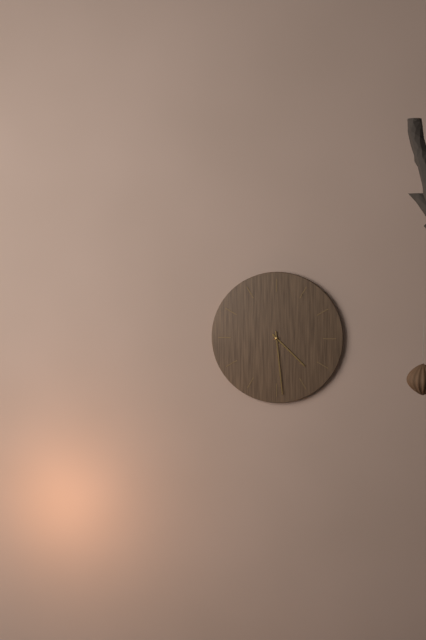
4:29
